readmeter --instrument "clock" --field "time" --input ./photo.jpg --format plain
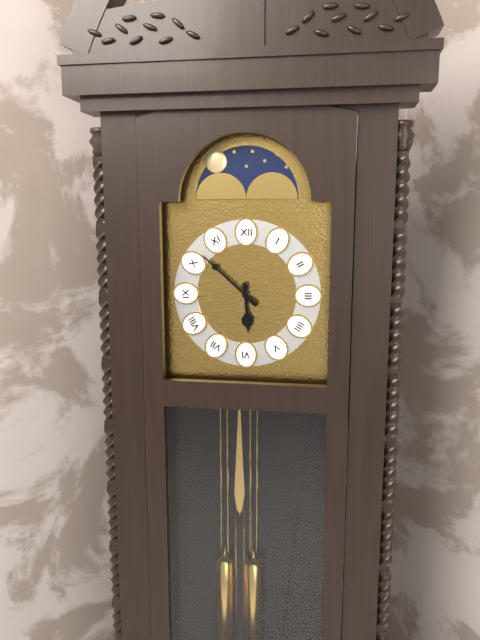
5:52
